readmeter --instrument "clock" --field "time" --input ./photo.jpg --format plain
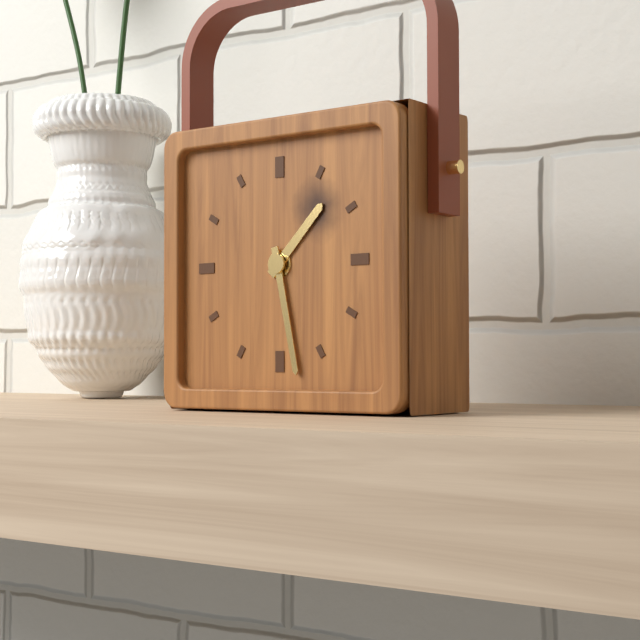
1:28
